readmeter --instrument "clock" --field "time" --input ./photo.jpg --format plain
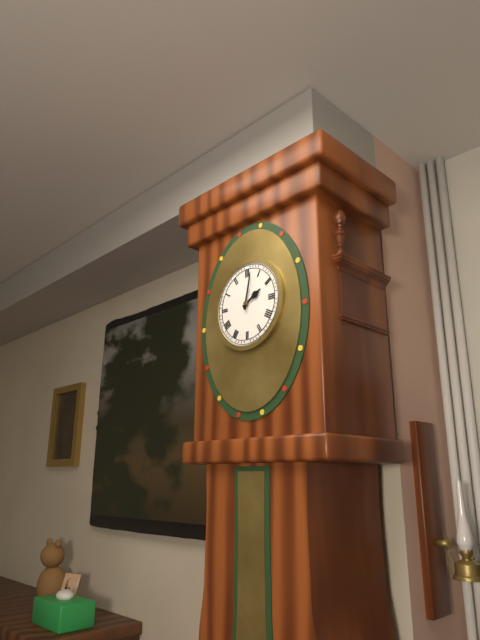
2:02
